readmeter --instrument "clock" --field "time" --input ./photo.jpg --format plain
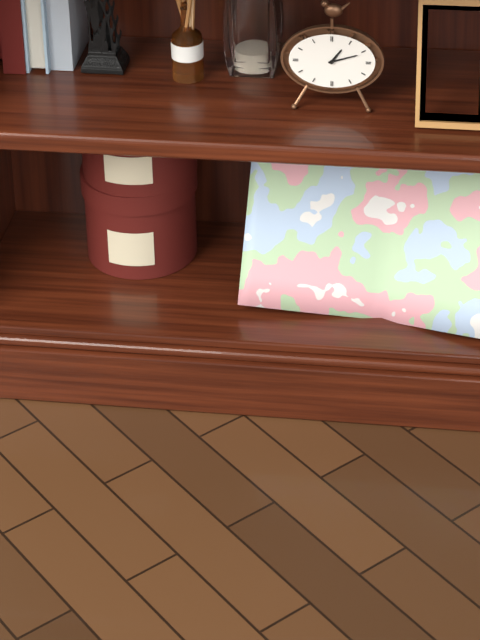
1:12
